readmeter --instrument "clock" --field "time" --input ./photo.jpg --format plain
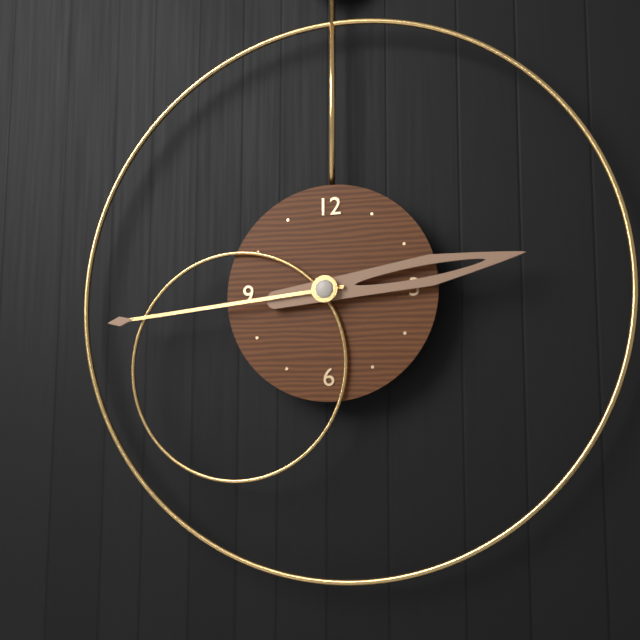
2:44
